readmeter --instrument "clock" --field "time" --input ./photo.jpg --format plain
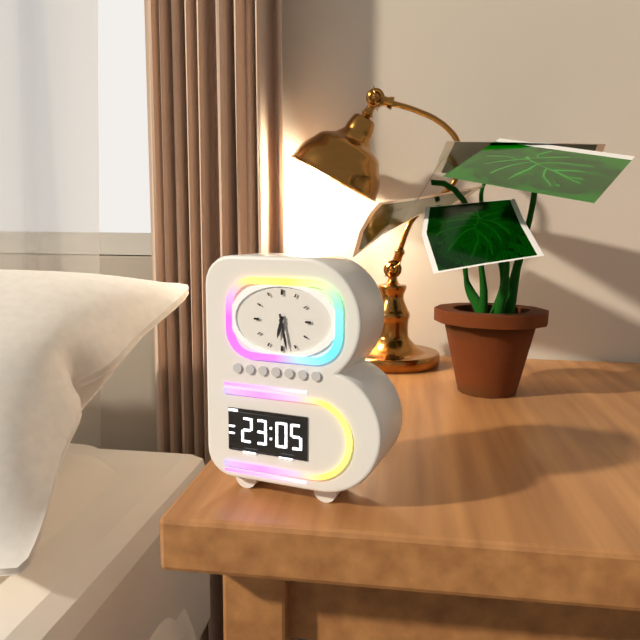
6:28
